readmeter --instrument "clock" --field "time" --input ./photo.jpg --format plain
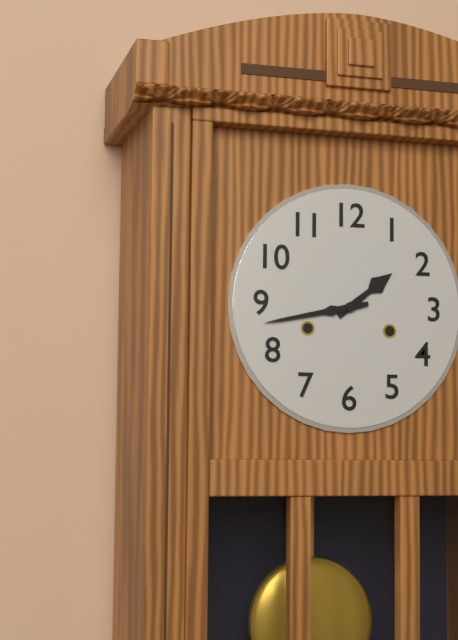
1:43
